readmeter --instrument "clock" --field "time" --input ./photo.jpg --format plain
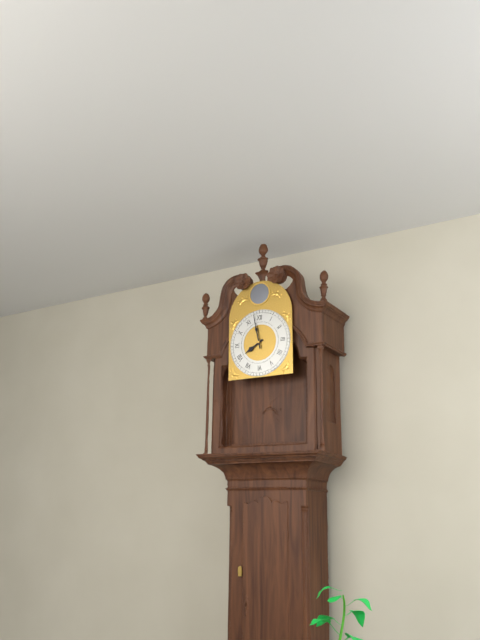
7:58
